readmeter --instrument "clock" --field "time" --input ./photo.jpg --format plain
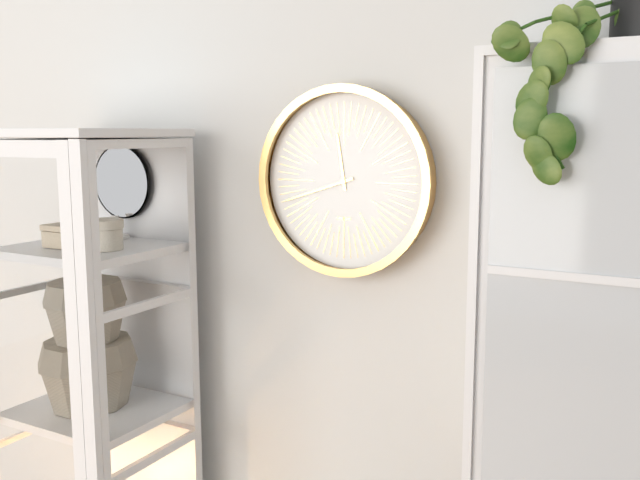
11:42
